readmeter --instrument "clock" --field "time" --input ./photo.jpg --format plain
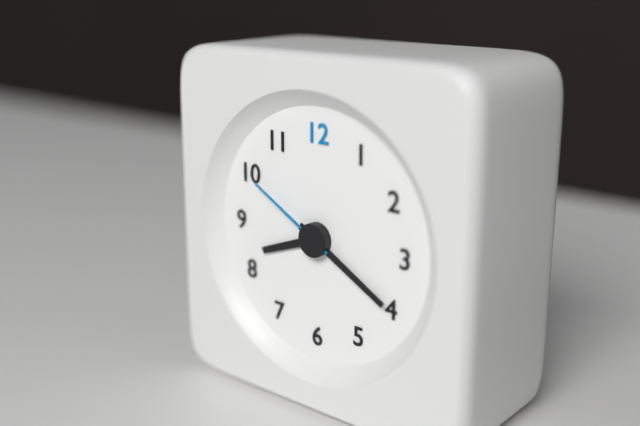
8:20:50
